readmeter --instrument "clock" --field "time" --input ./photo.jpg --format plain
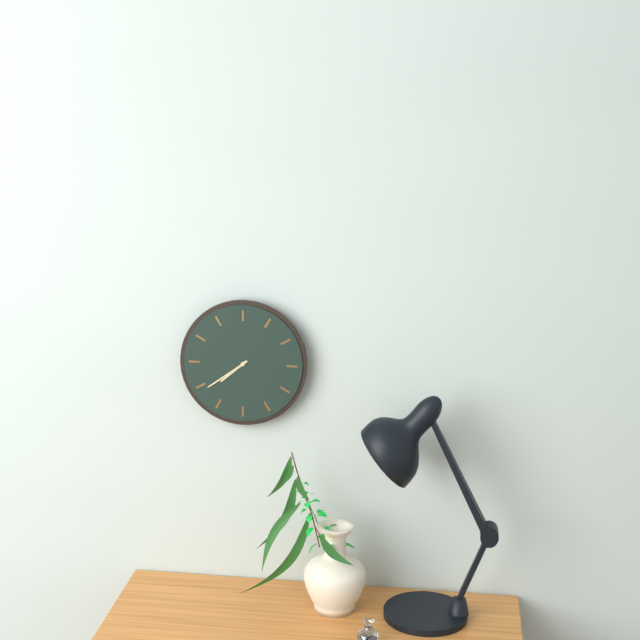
7:39
